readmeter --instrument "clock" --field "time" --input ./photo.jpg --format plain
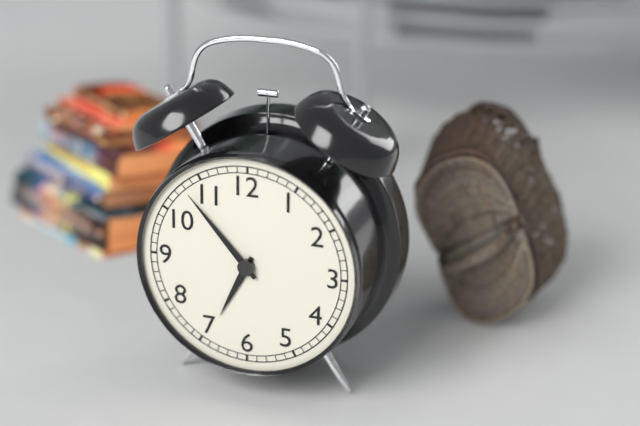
6:53
